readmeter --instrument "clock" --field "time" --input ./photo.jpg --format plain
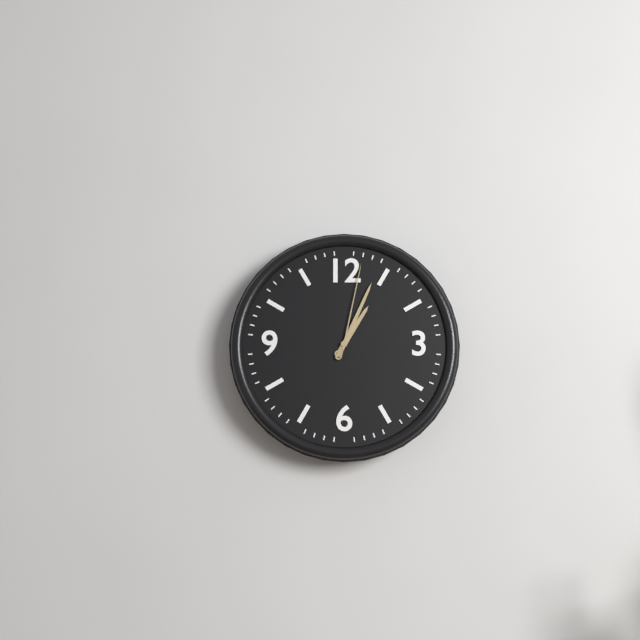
1:04:02
